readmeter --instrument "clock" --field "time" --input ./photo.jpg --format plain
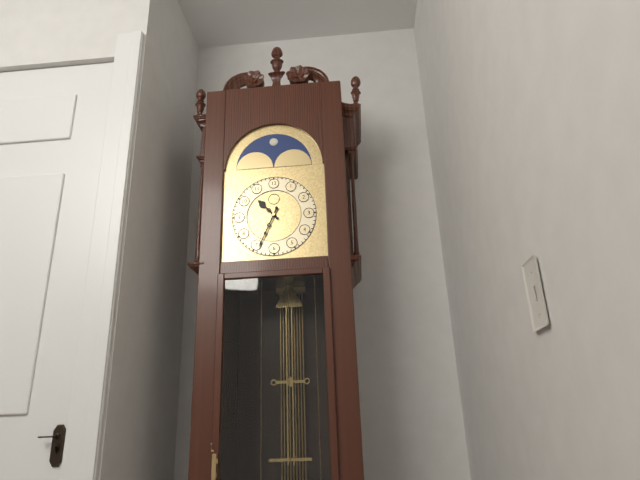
10:34
